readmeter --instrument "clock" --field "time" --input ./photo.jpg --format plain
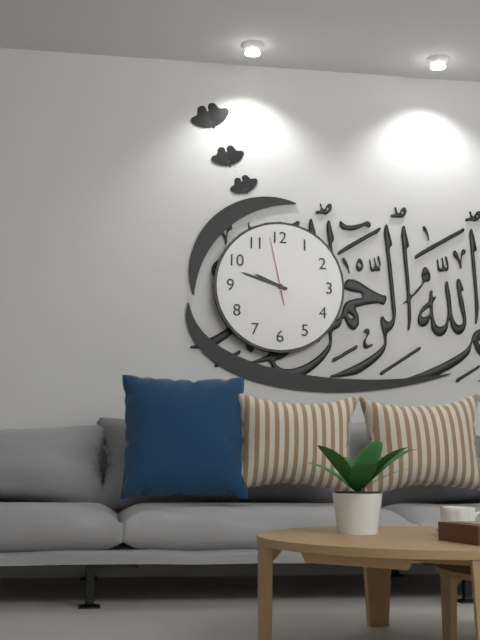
9:48:58
